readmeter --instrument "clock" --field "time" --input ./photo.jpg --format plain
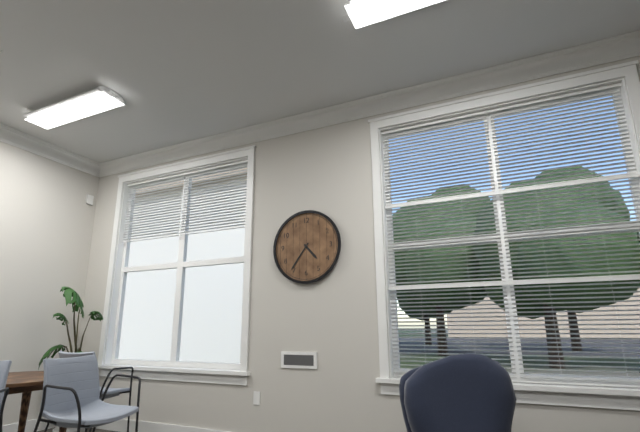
4:36
